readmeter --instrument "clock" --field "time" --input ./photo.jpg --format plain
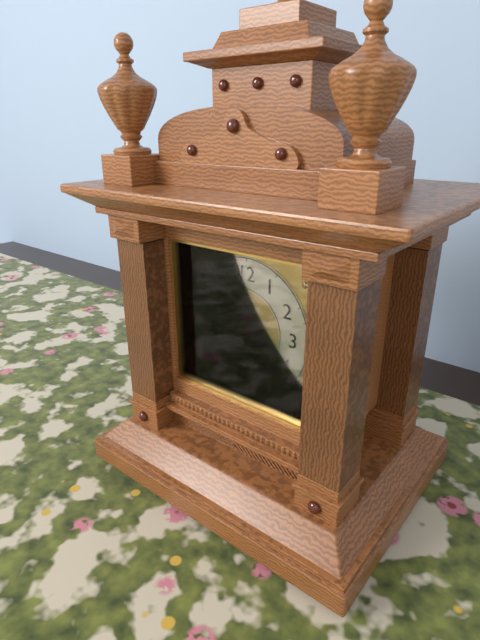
3:41
